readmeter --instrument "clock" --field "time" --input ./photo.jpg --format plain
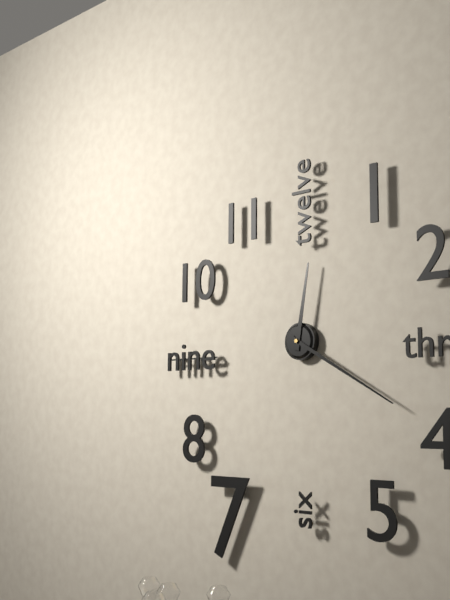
12:20
